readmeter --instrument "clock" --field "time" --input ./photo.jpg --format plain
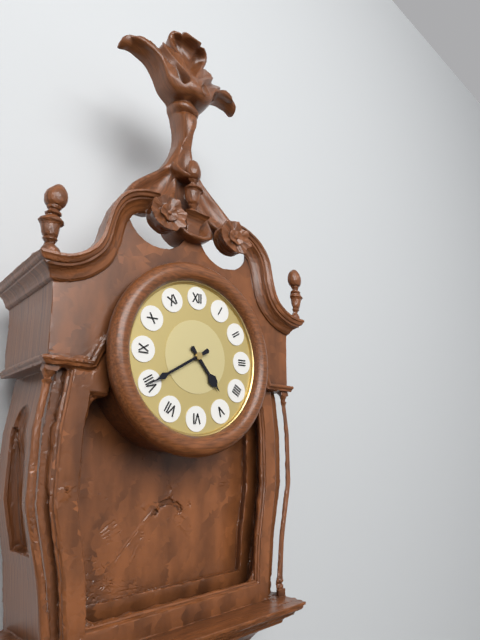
4:40
